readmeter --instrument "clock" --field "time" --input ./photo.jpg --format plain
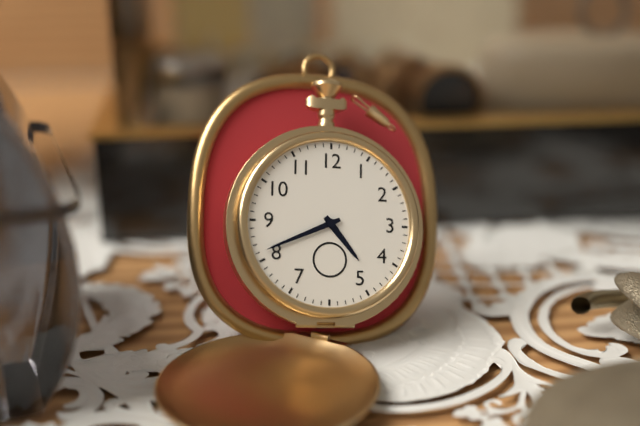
4:41
